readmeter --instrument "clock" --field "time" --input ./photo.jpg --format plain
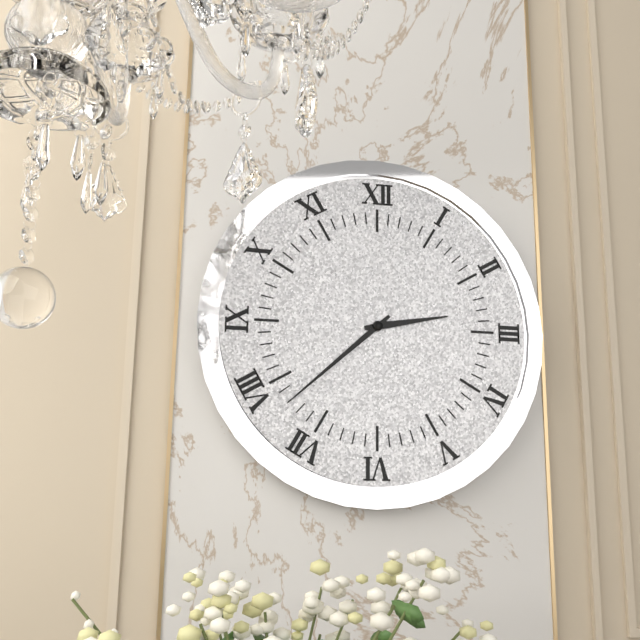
2:38
